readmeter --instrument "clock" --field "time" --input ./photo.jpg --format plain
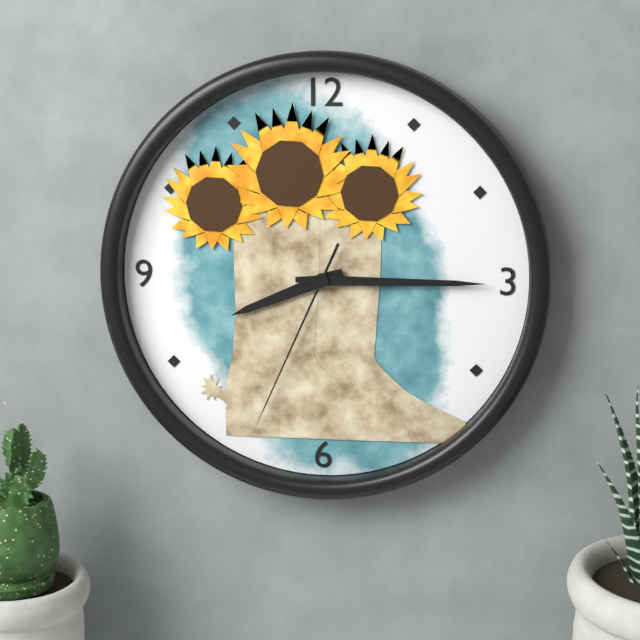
8:15:34
